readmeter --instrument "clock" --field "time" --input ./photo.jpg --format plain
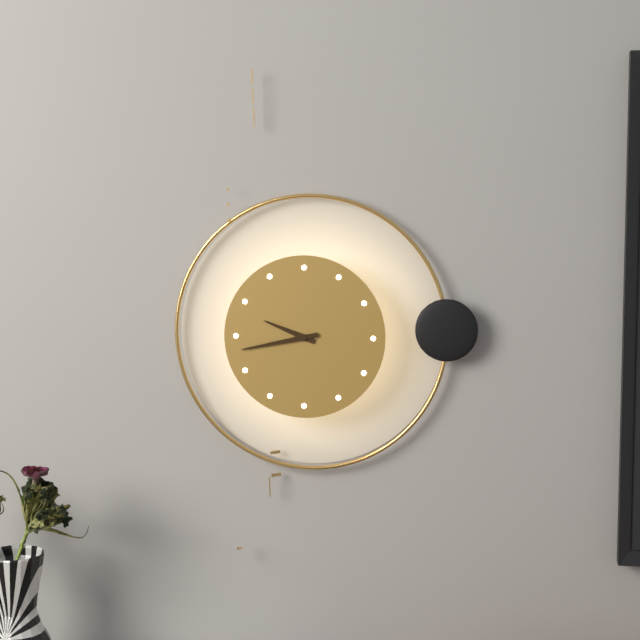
9:43
